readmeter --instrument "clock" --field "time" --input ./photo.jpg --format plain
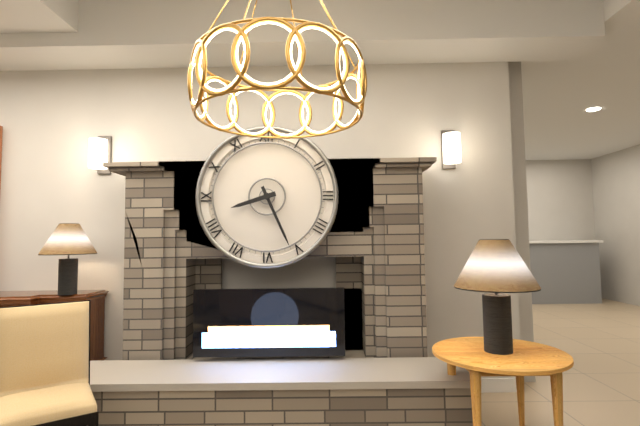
8:26
